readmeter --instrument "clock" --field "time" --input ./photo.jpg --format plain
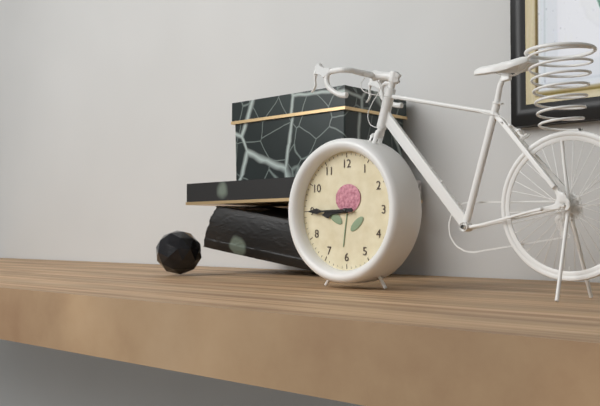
8:45
